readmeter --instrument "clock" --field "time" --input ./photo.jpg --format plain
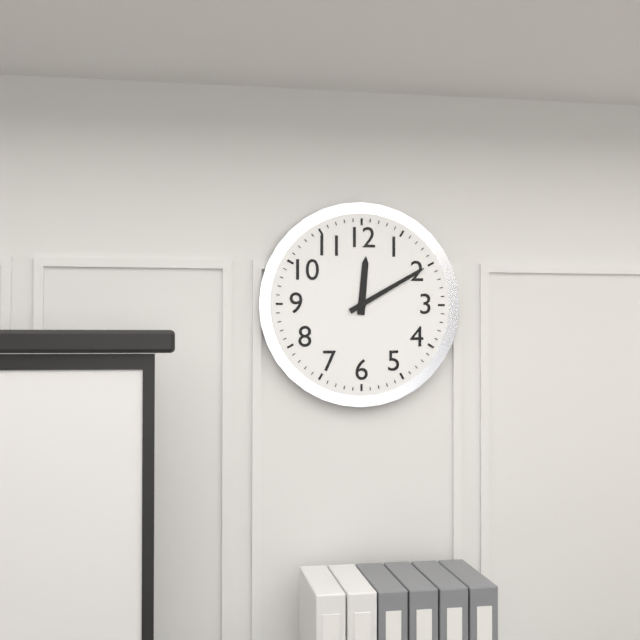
12:10
